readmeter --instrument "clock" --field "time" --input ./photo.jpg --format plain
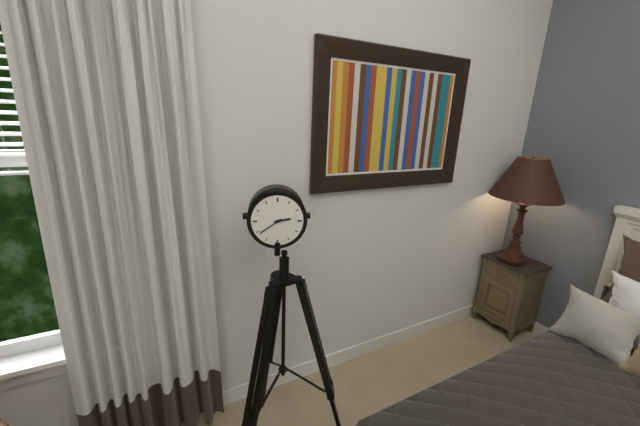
2:39
